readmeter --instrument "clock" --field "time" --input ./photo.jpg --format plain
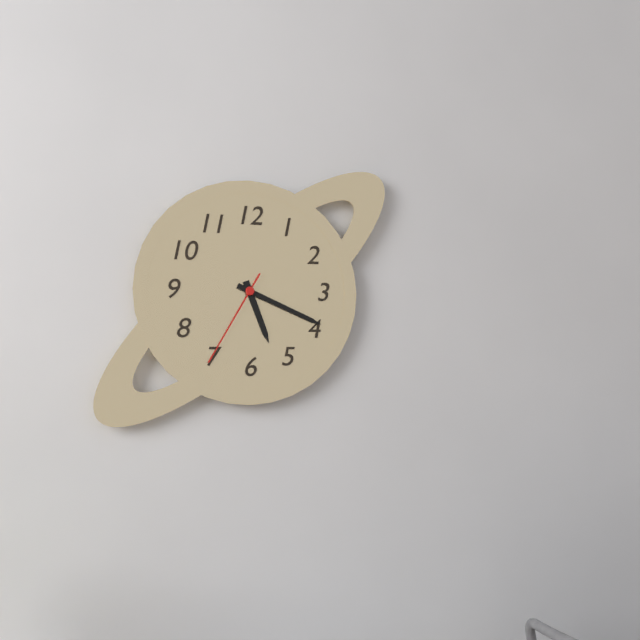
5:19:35
